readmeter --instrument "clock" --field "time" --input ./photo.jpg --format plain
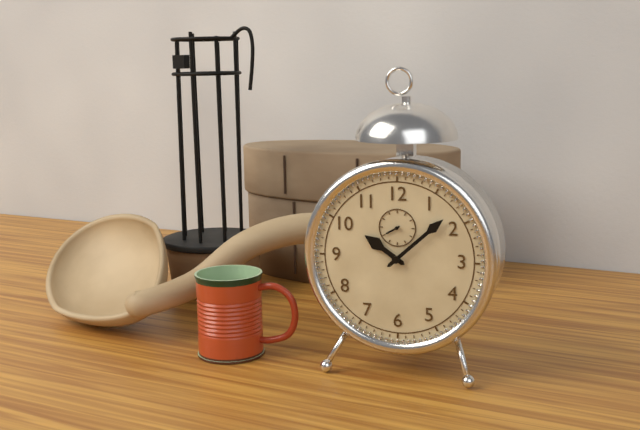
10:08
